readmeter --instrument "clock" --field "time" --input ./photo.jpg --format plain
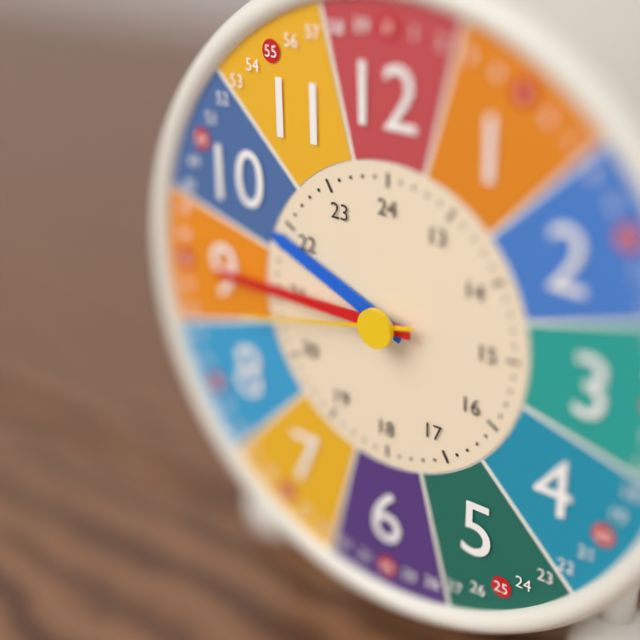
9:45:43
